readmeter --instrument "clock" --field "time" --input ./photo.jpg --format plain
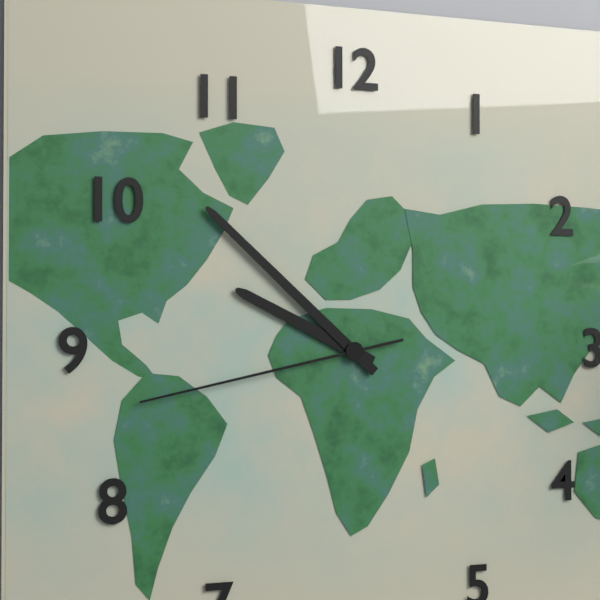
9:52:43
